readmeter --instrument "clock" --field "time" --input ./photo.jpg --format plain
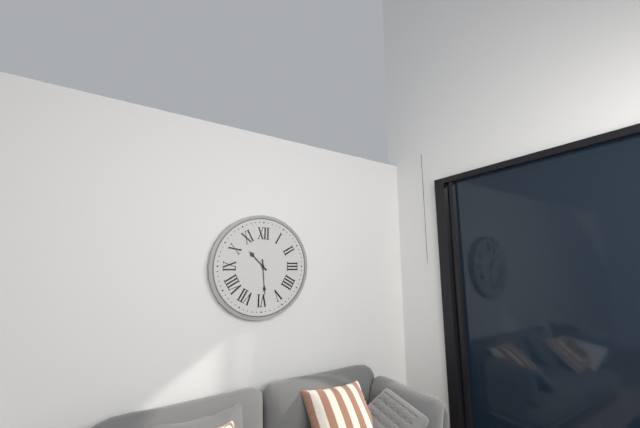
10:29
